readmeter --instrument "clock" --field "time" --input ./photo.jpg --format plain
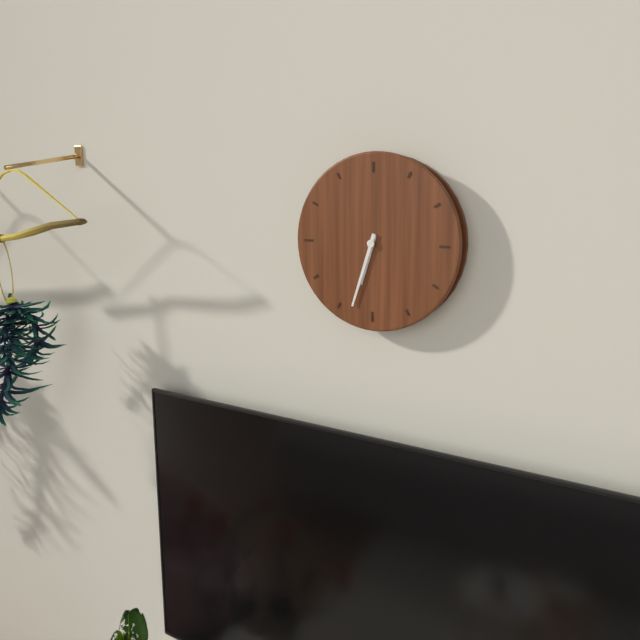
6:33
